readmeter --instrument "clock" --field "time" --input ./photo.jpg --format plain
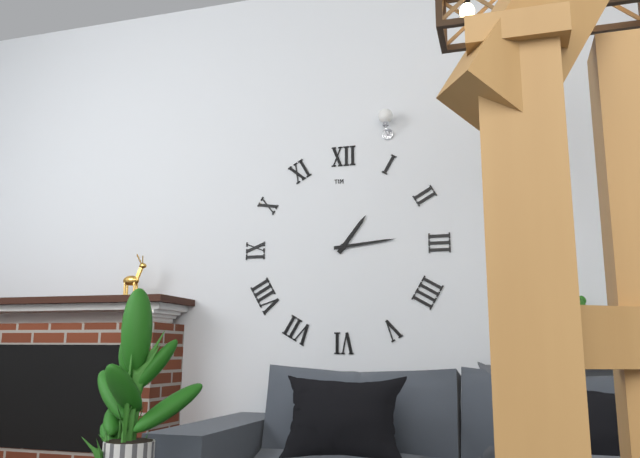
1:14
